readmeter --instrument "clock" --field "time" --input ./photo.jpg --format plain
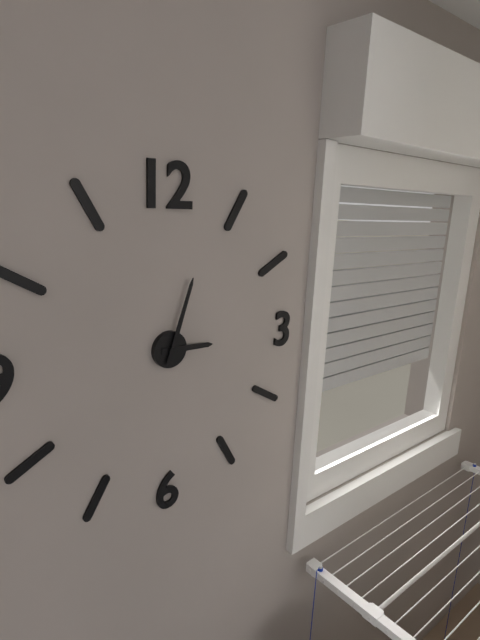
3:03
